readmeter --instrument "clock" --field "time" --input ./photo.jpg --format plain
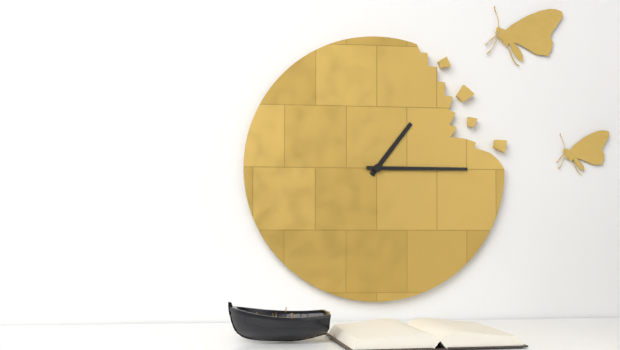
1:15
